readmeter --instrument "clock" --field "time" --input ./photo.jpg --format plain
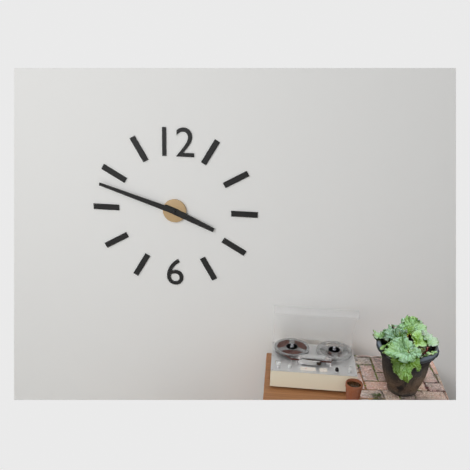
3:48
